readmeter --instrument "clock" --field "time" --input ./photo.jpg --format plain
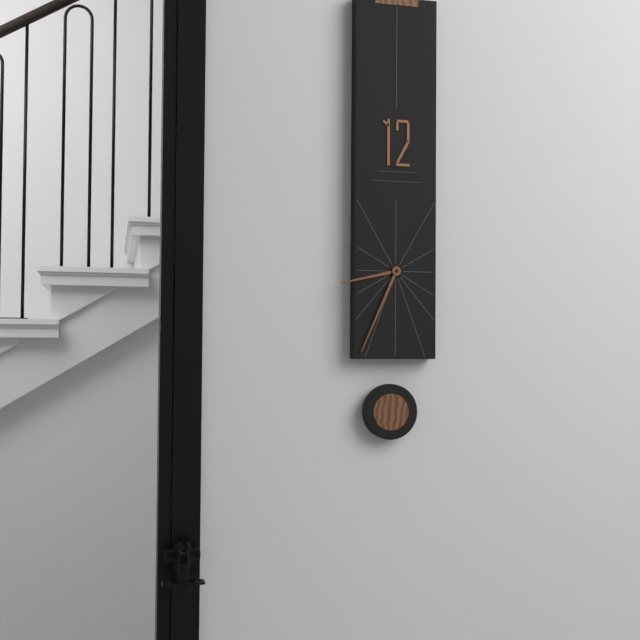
8:34
